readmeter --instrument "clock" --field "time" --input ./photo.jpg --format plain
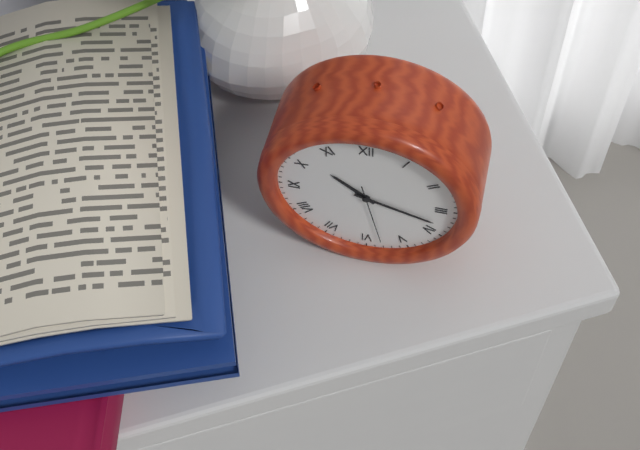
10:18:28
